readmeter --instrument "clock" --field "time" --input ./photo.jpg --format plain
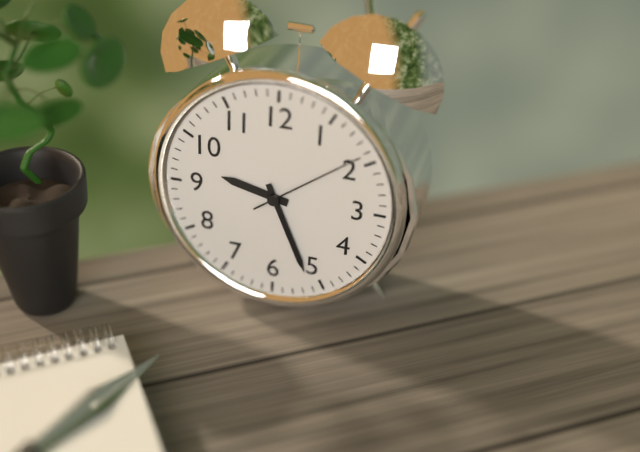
9:26:09
